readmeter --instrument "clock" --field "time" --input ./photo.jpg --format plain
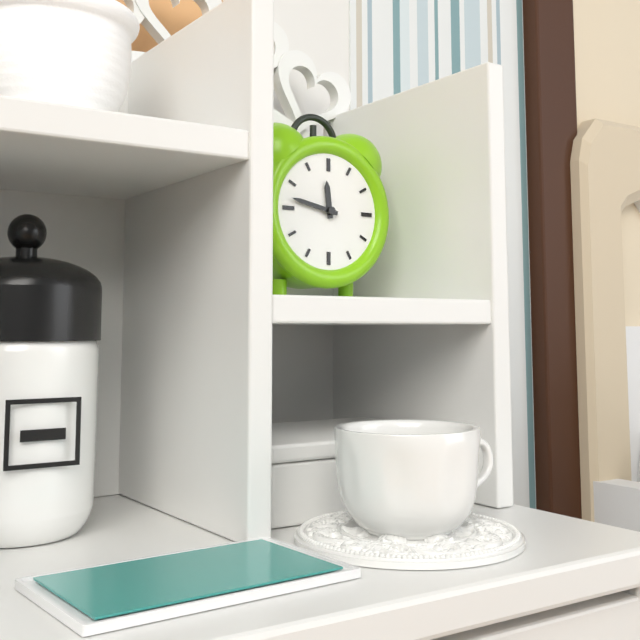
11:47
